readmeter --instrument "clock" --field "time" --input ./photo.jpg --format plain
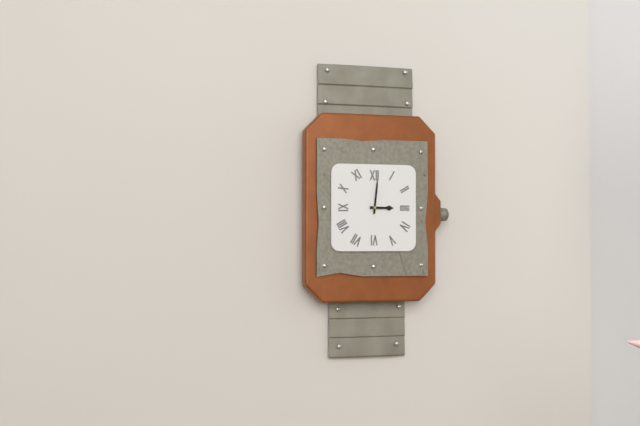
3:01
